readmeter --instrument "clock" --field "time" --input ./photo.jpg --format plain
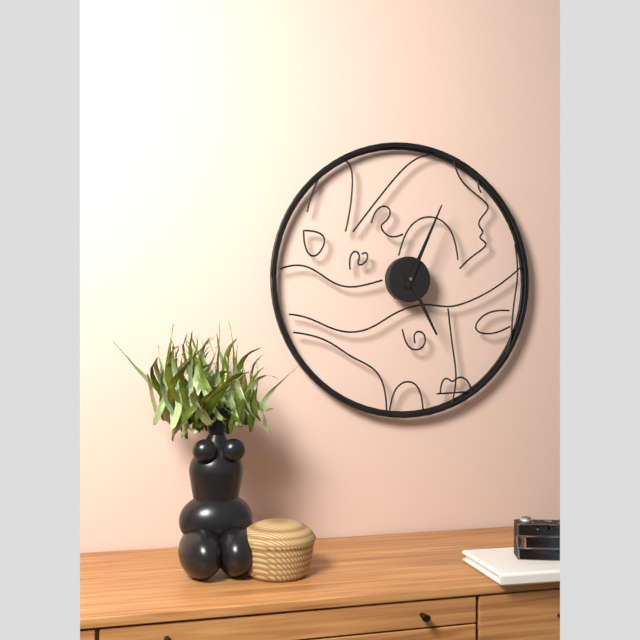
5:04
